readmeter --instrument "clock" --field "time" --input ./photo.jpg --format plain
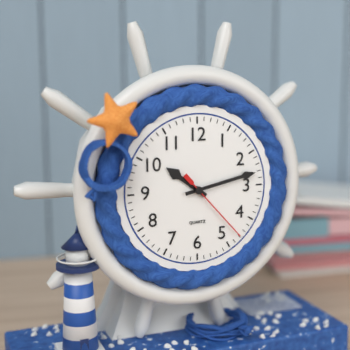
10:13:23
